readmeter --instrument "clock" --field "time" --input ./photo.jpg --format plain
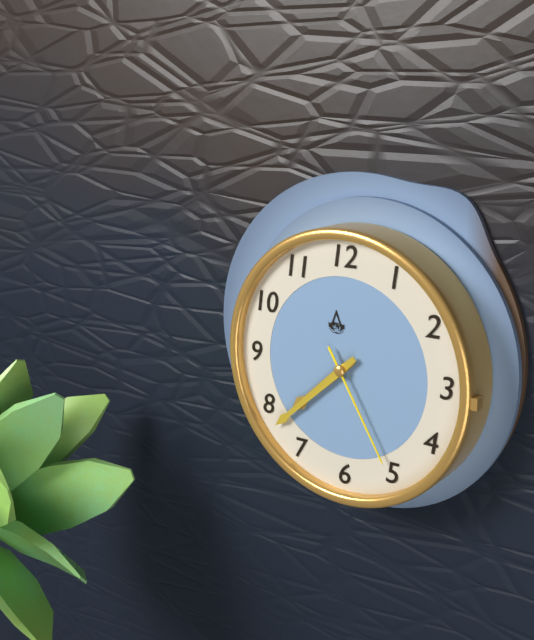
7:38:25
